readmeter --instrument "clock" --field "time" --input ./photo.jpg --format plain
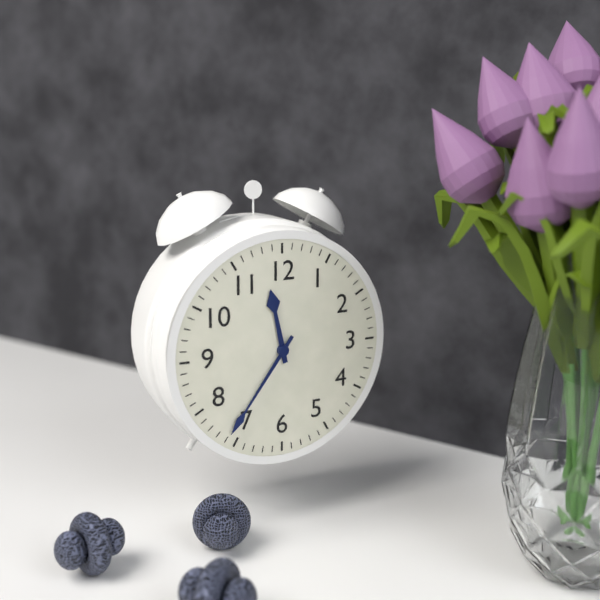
11:36
